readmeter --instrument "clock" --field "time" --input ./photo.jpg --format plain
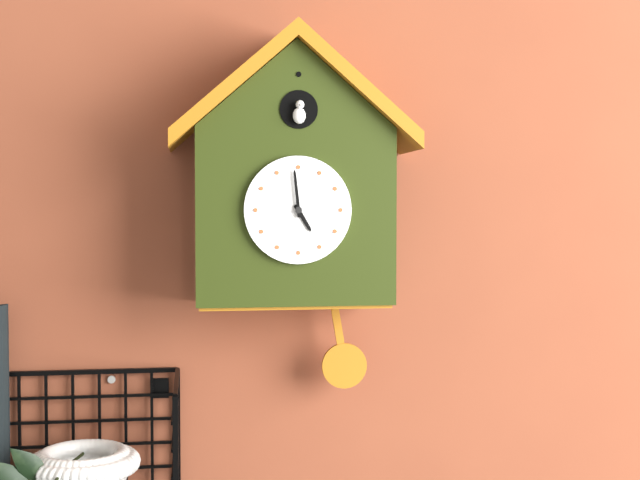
4:59
